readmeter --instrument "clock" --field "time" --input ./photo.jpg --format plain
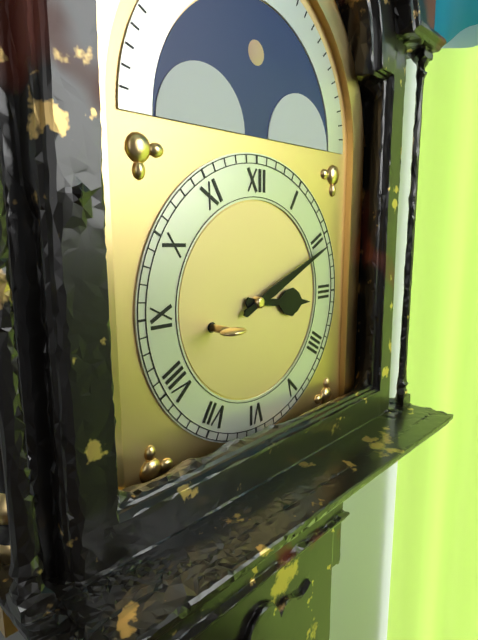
3:11
